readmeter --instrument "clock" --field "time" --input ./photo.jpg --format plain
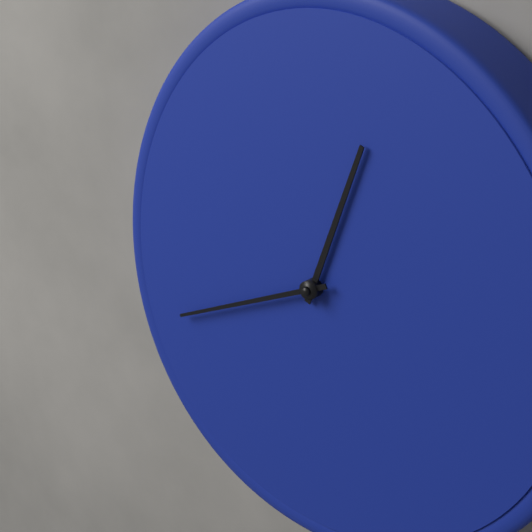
12:41
